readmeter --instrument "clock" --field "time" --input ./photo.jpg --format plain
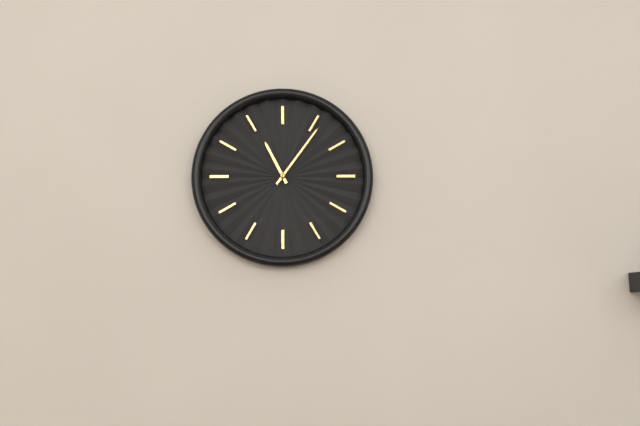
11:06
